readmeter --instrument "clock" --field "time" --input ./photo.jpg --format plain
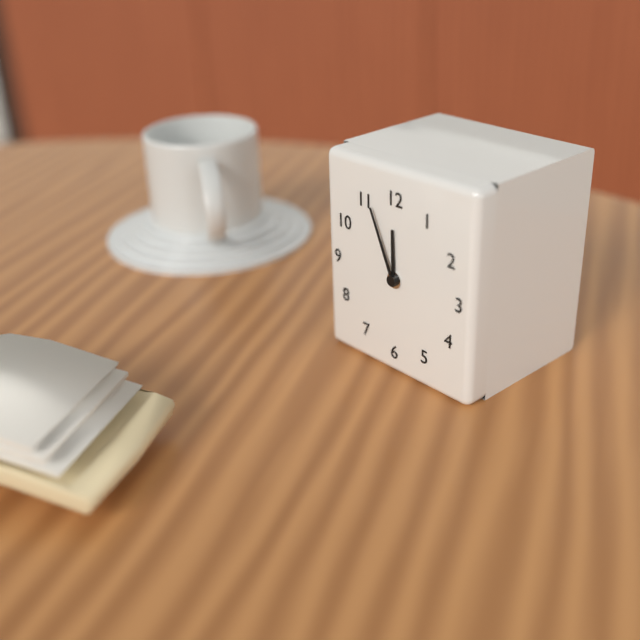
11:56
